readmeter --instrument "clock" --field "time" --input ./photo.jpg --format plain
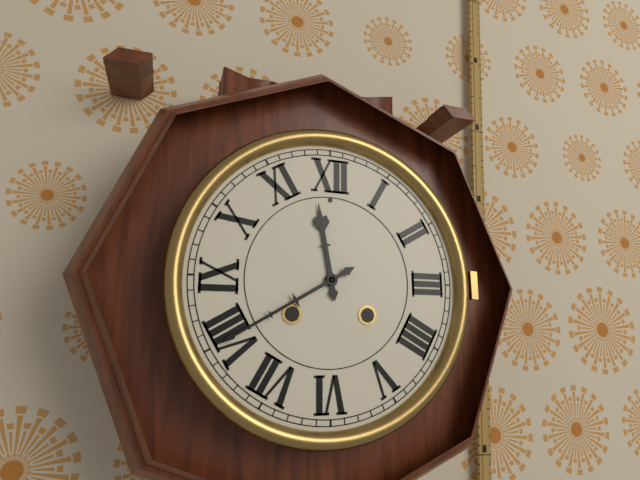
11:40
